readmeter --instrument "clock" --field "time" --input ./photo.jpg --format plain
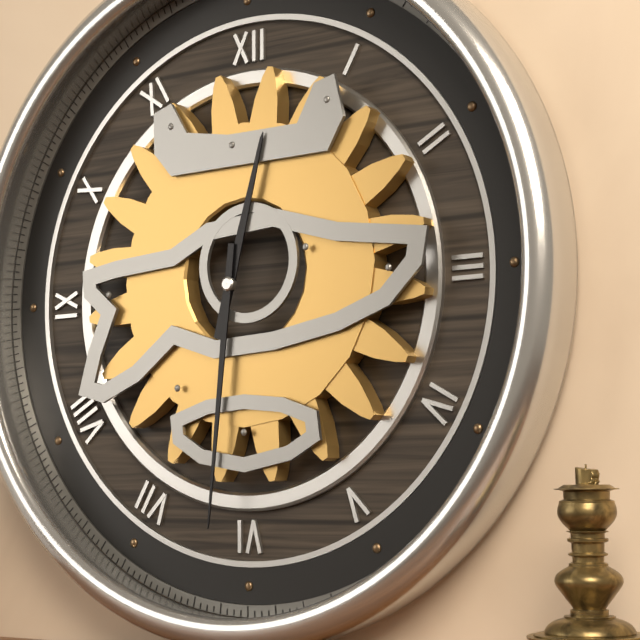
12:31
